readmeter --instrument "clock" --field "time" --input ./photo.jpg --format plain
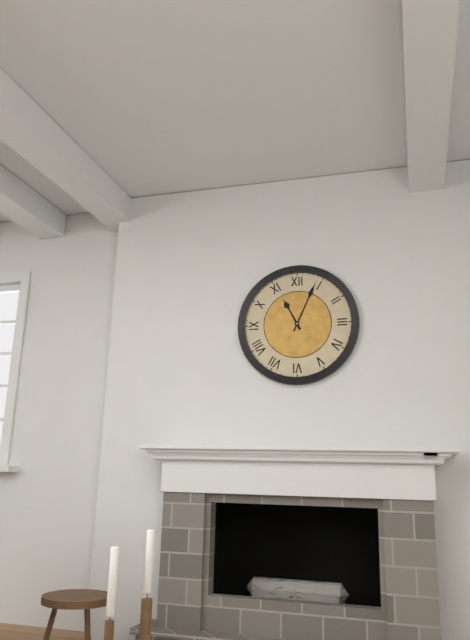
11:04
